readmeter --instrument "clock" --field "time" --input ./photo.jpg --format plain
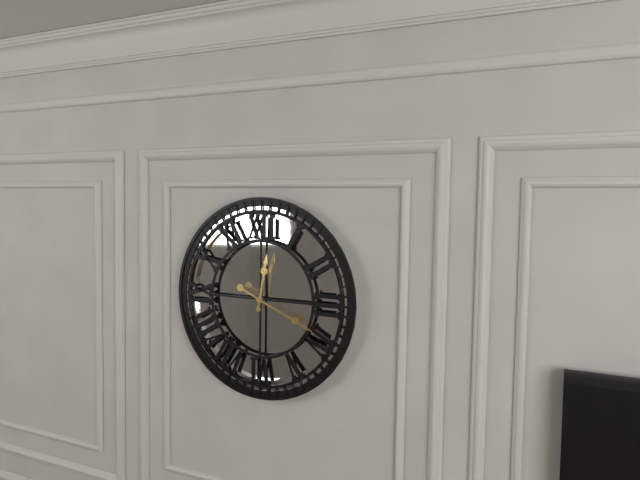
12:19
